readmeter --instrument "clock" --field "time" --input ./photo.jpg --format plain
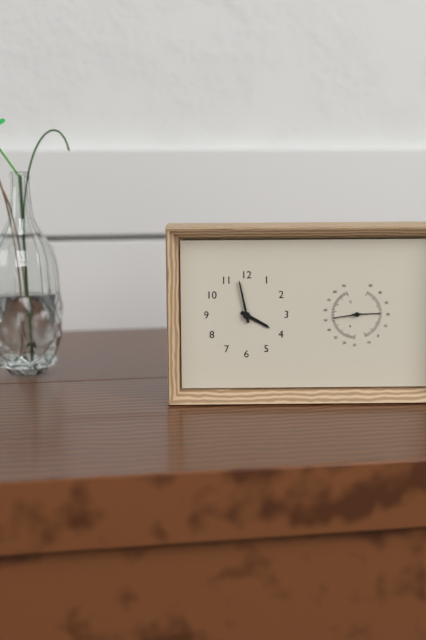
3:58
